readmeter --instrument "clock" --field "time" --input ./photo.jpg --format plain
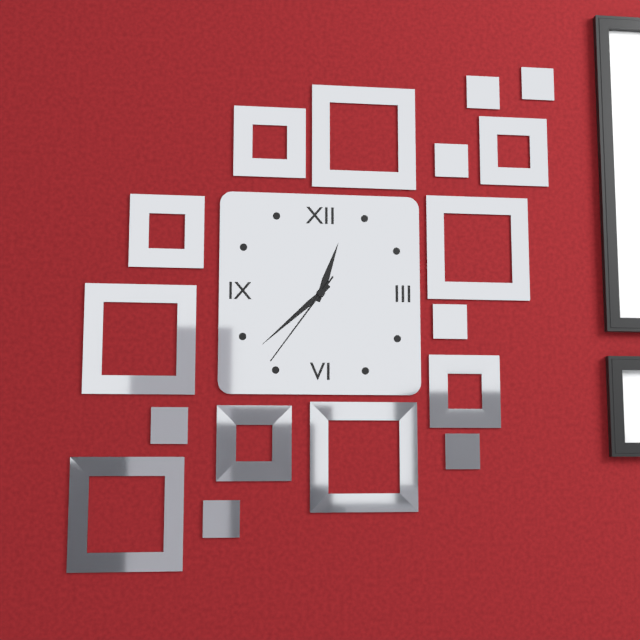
12:38:36
